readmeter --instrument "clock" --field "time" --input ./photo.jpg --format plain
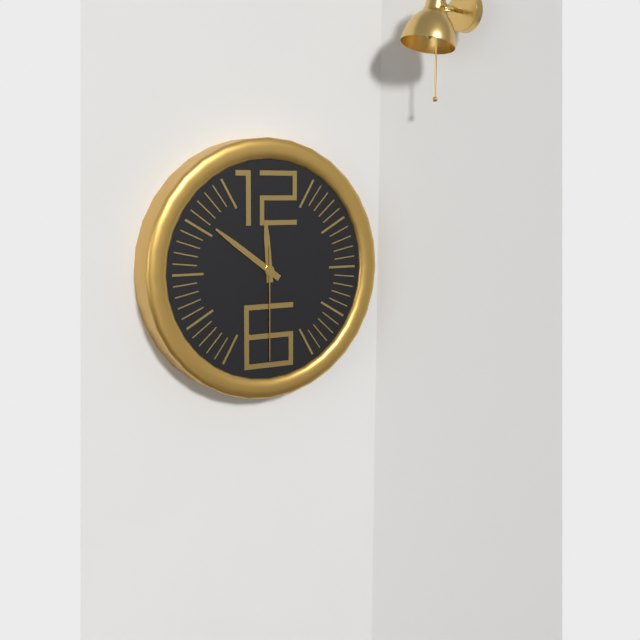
11:51:30
